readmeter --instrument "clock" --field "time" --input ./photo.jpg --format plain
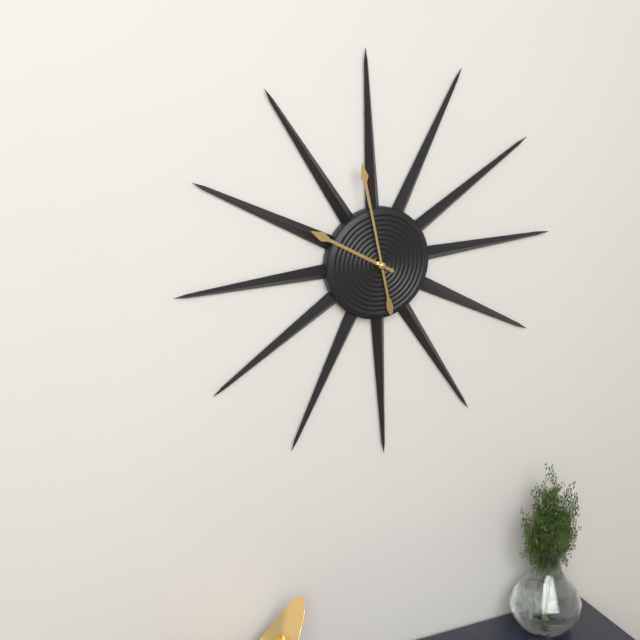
9:58
